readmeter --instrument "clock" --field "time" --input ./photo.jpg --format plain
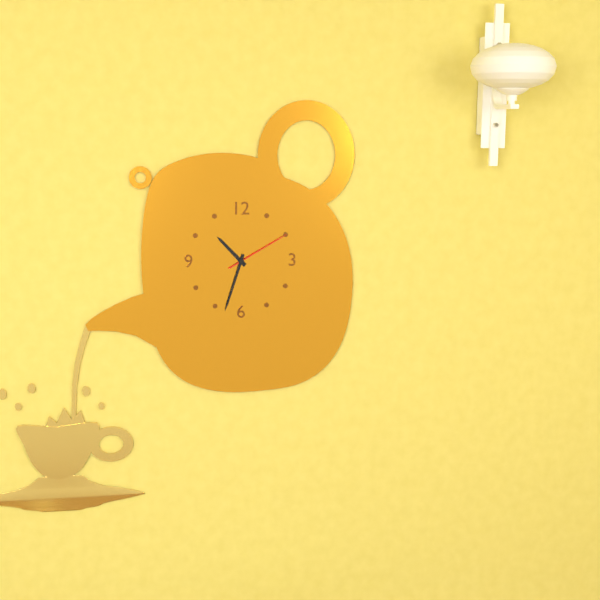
10:33:10
